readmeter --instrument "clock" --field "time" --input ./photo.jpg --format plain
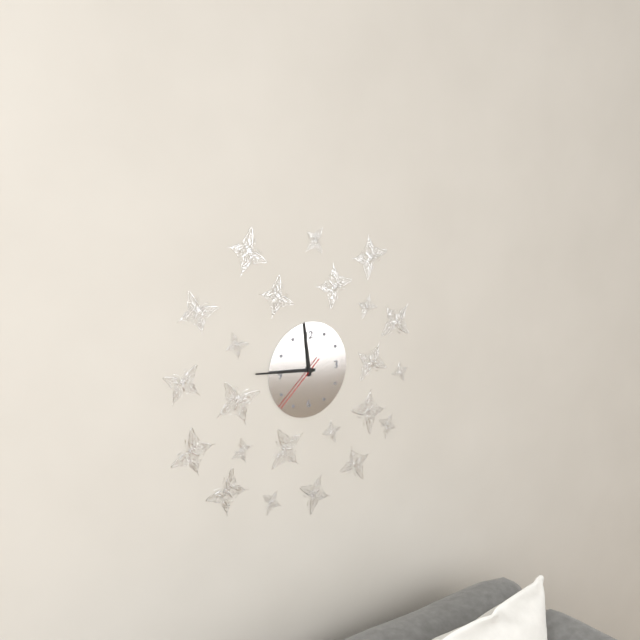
11:46:38
